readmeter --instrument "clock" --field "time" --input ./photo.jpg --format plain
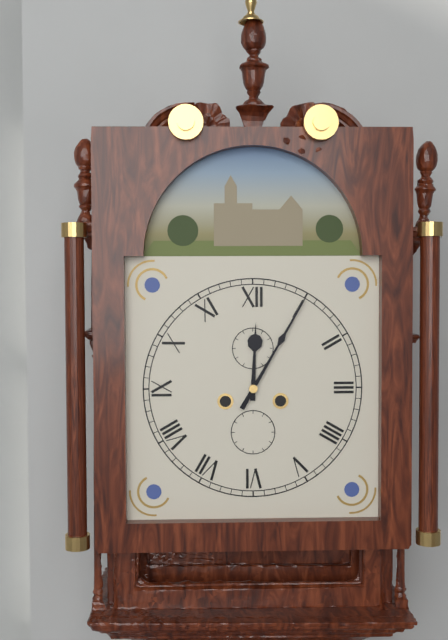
12:05
